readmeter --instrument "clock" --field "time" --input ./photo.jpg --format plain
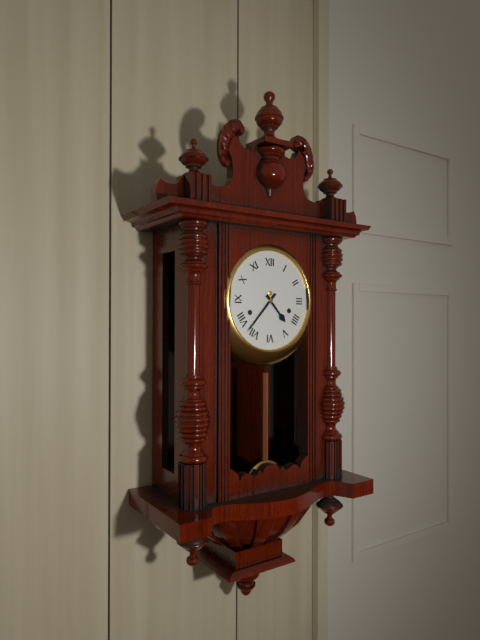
4:37
